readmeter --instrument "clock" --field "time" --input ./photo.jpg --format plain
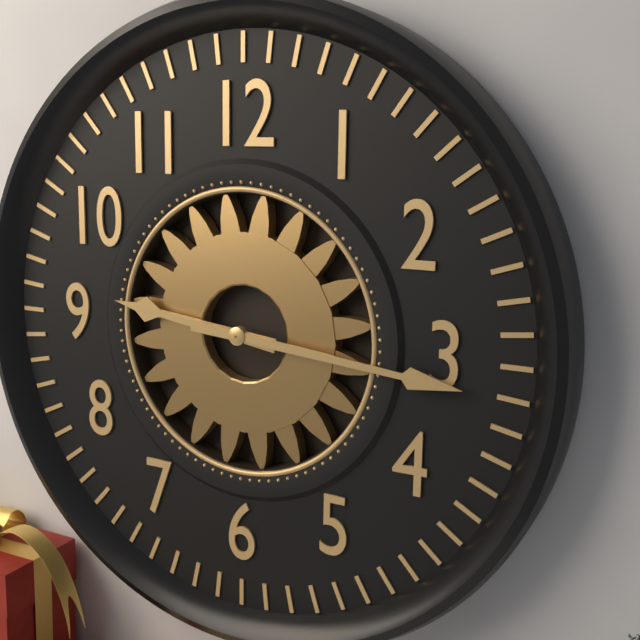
9:16
